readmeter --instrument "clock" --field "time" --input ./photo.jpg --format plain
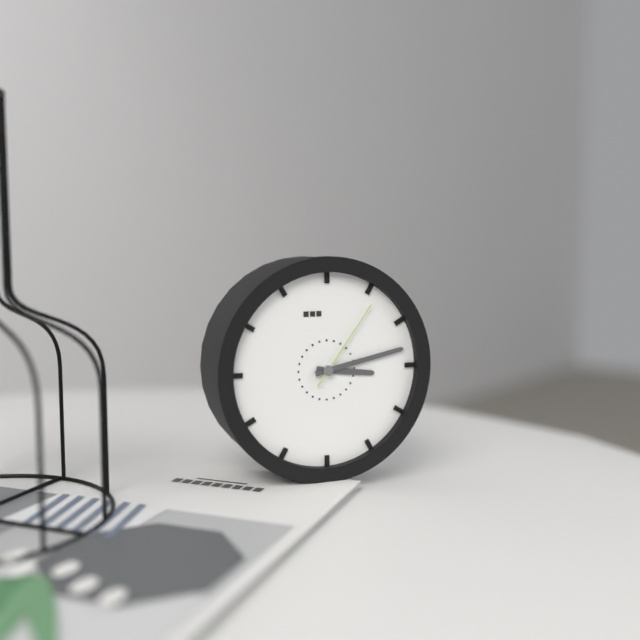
3:13:06
